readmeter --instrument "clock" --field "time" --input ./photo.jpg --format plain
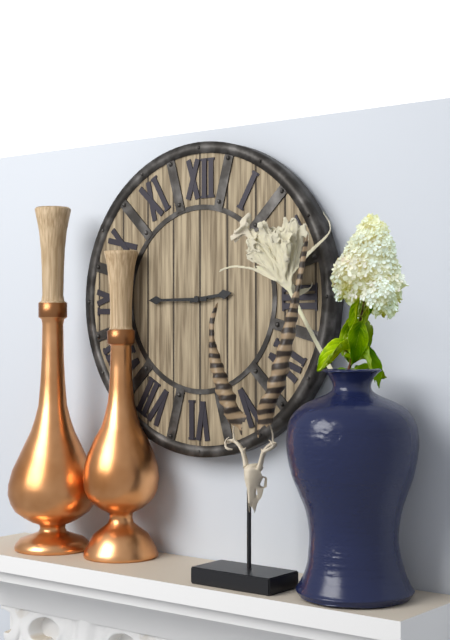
2:45
